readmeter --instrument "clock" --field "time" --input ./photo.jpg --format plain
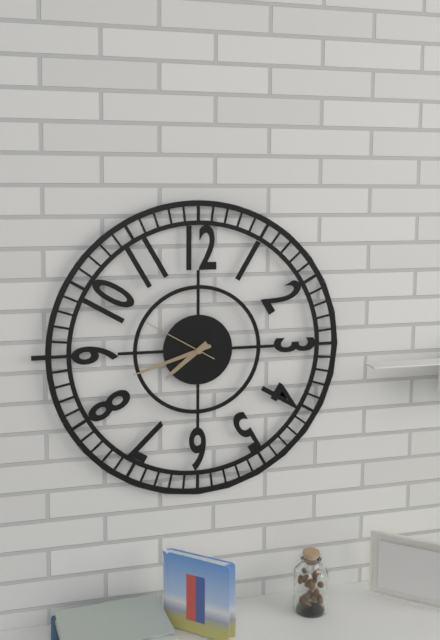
7:42:50
